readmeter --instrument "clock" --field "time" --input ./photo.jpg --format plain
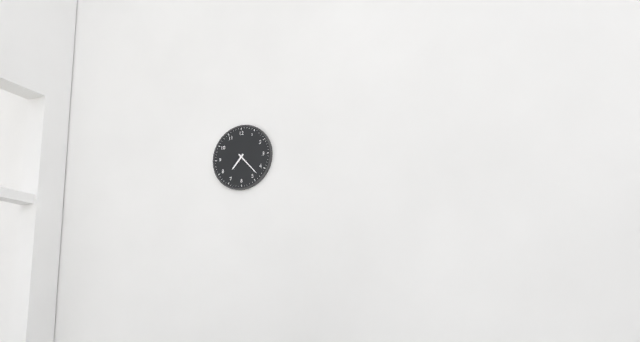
7:23
